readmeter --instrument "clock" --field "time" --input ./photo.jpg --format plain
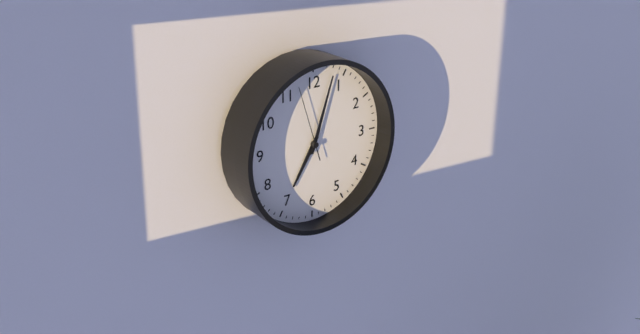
7:03:57
